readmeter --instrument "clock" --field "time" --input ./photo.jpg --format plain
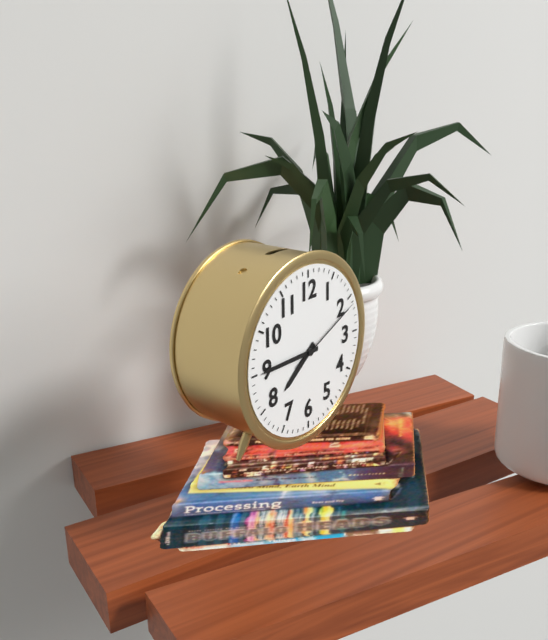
7:45:11
